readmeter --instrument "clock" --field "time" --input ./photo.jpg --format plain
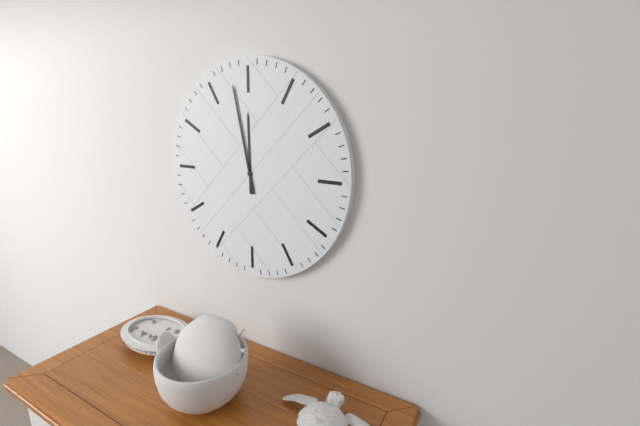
11:58
